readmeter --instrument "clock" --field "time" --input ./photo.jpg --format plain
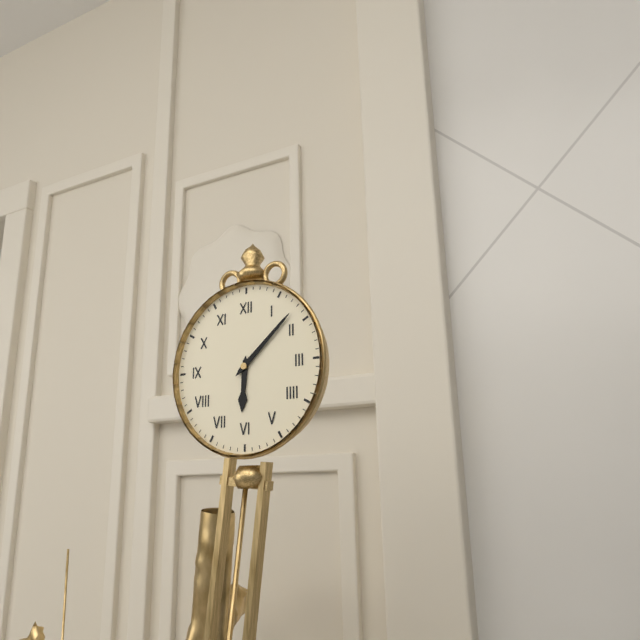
6:08
